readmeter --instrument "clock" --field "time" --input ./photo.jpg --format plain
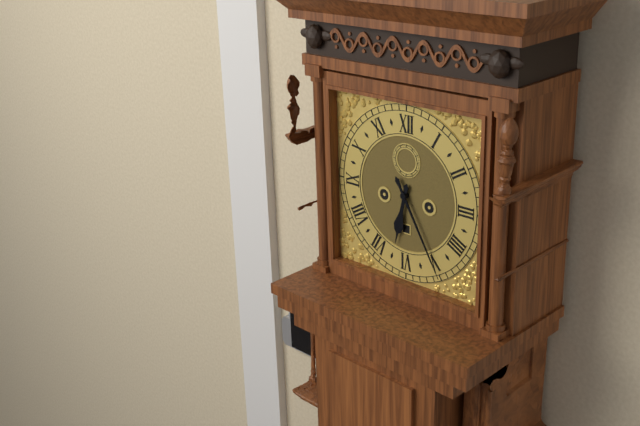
6:25
